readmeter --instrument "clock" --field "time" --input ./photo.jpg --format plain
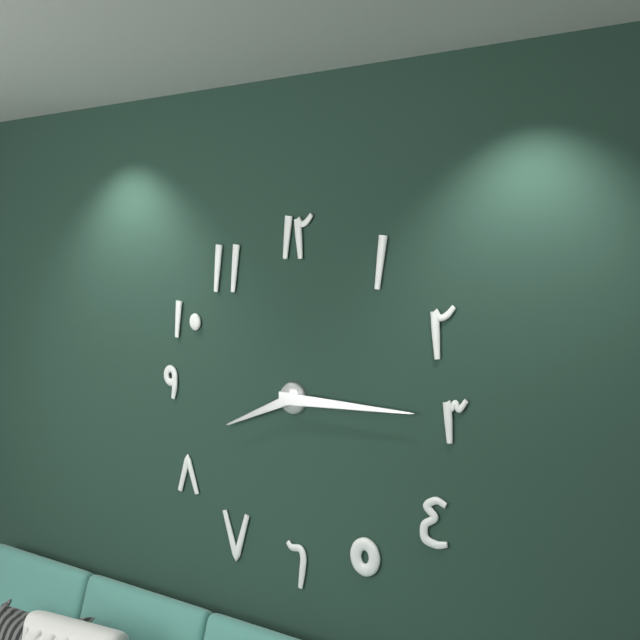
8:15
